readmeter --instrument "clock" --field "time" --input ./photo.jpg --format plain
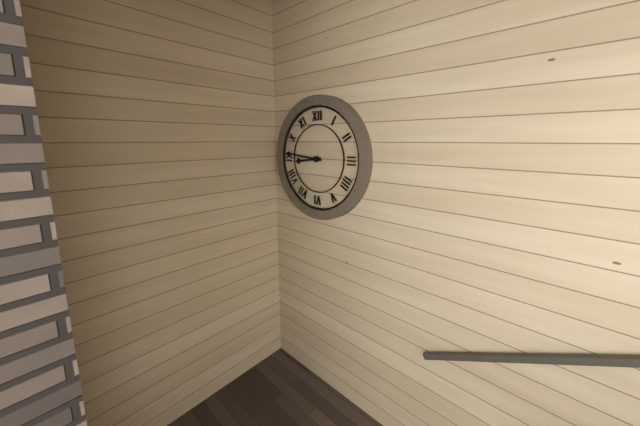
8:46
